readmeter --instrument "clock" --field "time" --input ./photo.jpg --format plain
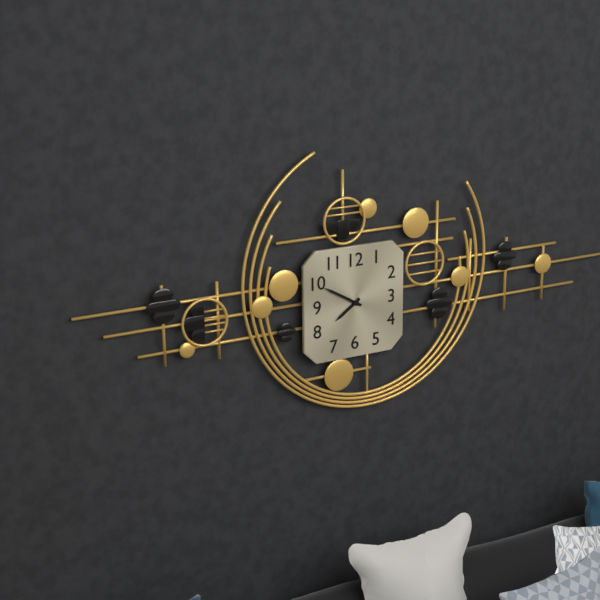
7:50
